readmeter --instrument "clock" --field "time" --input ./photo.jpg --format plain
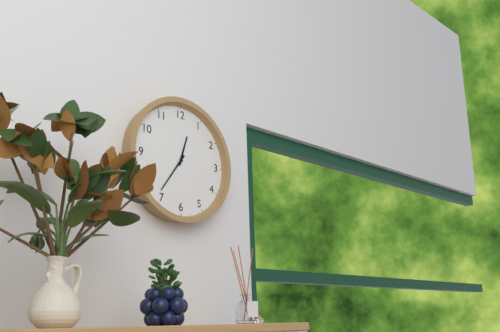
12:36
